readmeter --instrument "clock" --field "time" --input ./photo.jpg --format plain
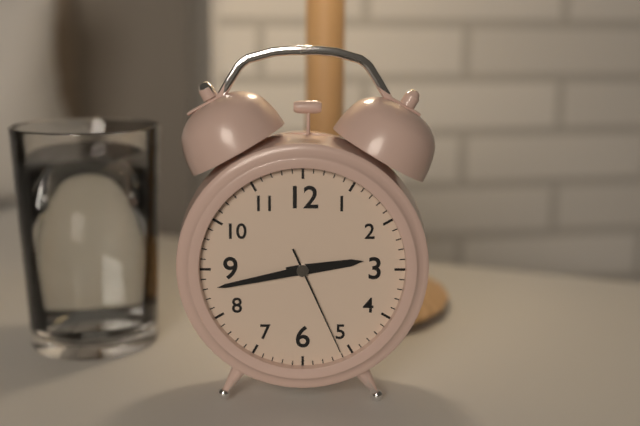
2:43:26
